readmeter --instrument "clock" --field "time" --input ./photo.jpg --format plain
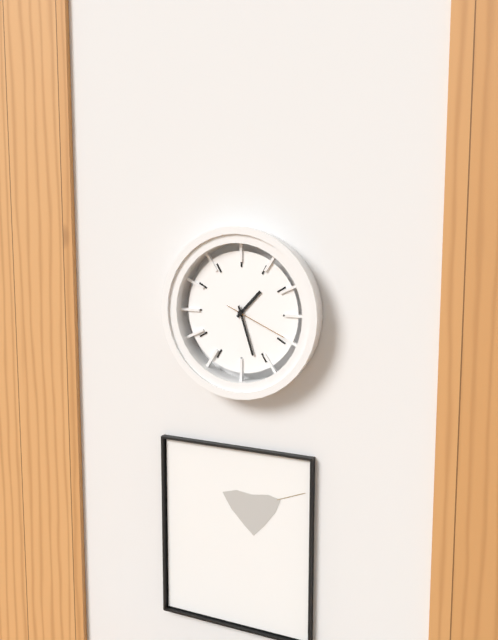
1:27:19
